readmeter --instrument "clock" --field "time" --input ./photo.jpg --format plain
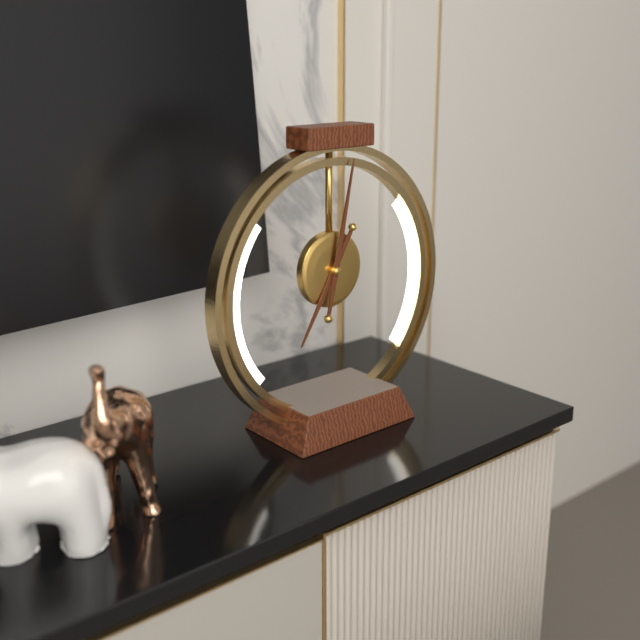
7:02
